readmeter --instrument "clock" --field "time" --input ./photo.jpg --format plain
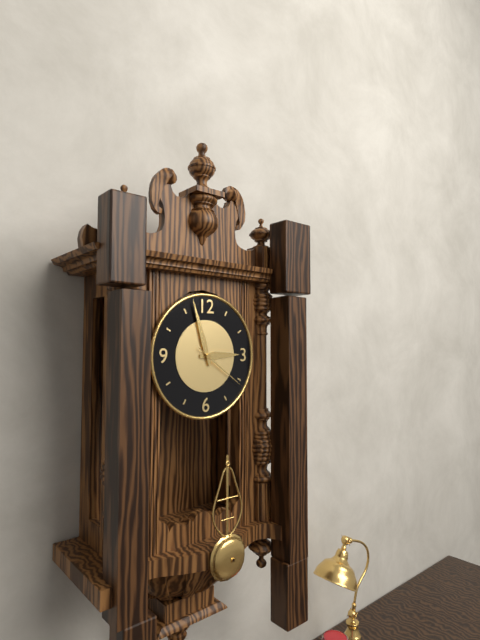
2:57:21
